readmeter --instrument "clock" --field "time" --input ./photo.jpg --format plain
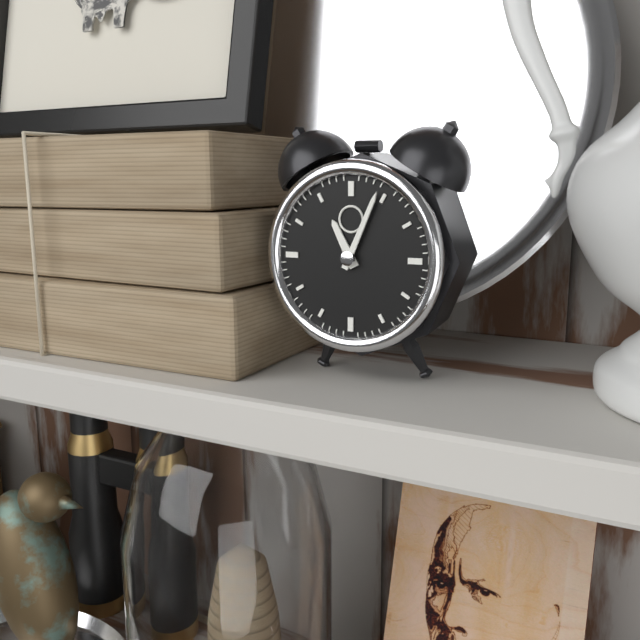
11:04
